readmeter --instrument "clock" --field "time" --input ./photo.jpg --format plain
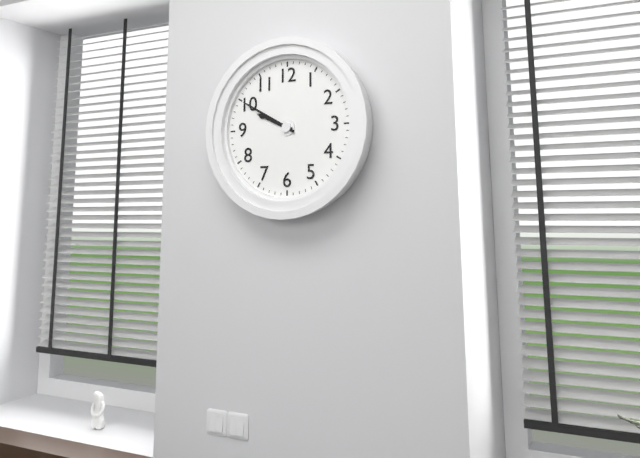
9:50
